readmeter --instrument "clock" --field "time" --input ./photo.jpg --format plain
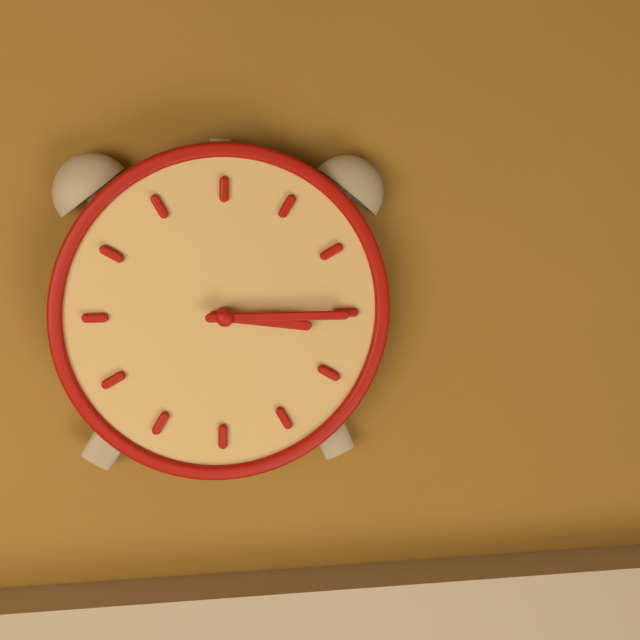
3:15
